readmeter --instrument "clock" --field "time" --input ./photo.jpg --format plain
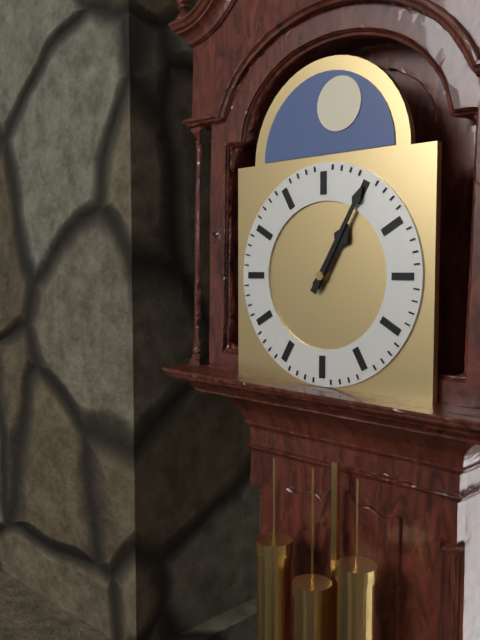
1:05
